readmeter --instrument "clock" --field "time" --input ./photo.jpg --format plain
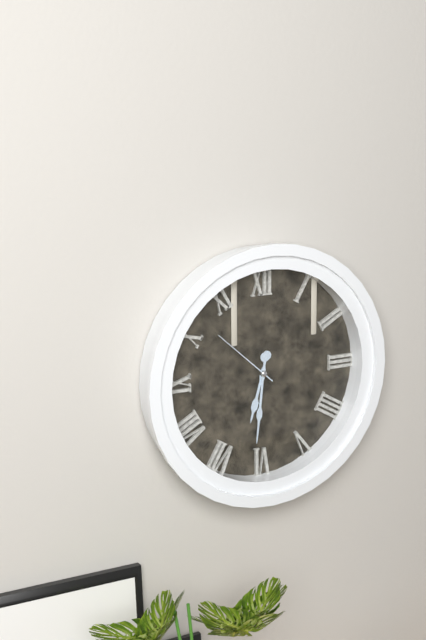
6:31:52
